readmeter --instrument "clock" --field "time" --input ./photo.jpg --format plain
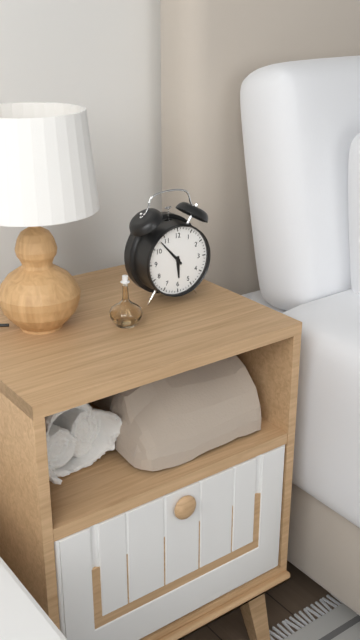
5:53
